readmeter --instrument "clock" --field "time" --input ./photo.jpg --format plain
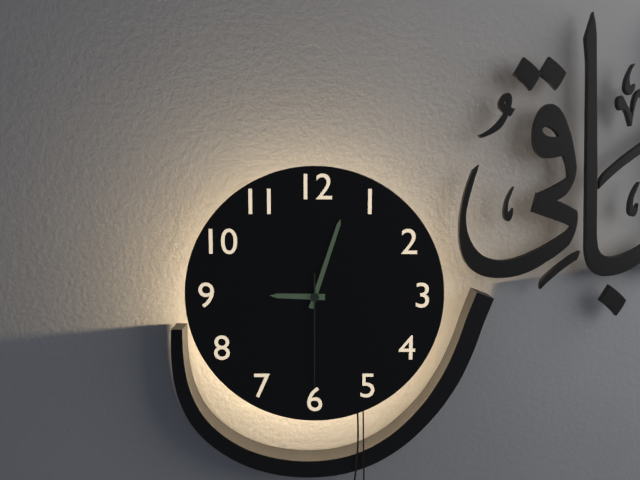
9:03:30
